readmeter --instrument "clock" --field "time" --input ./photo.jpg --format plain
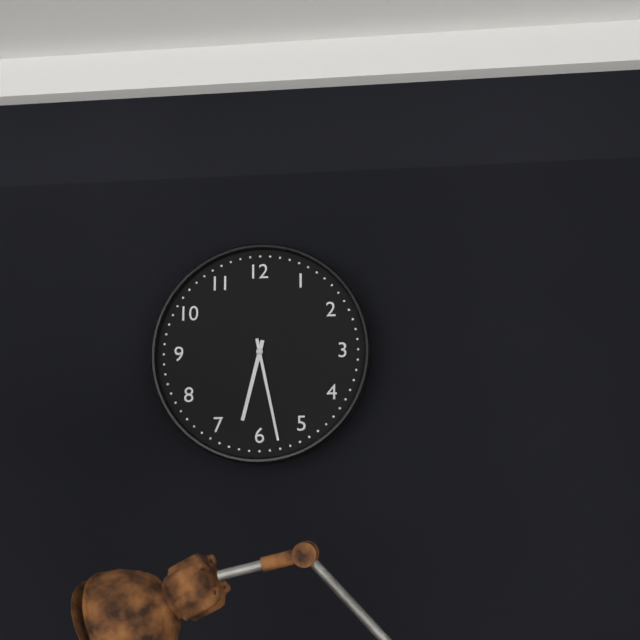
6:28
